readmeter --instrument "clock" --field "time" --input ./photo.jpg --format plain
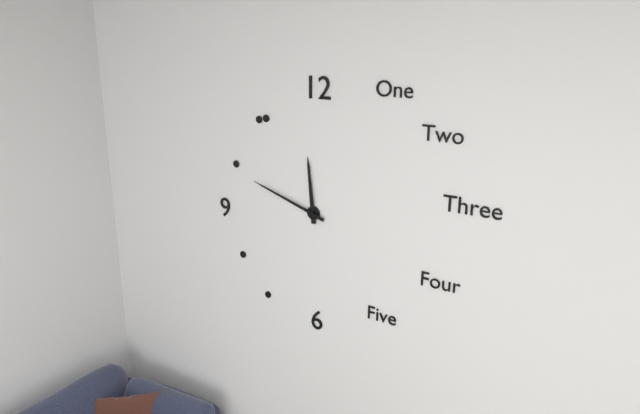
11:48
